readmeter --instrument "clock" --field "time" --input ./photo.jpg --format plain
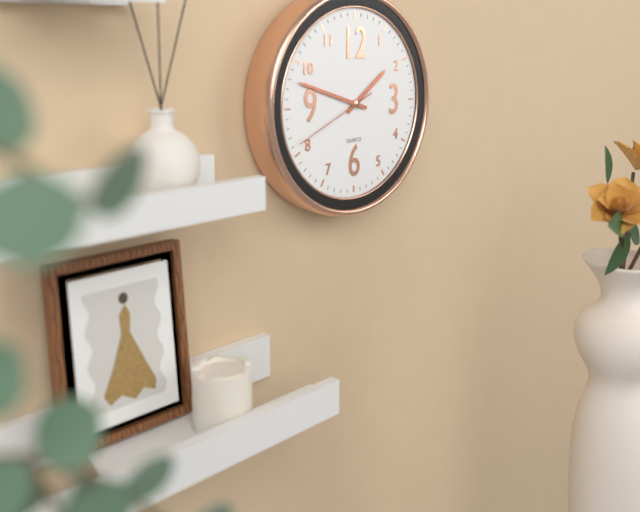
1:48:41
